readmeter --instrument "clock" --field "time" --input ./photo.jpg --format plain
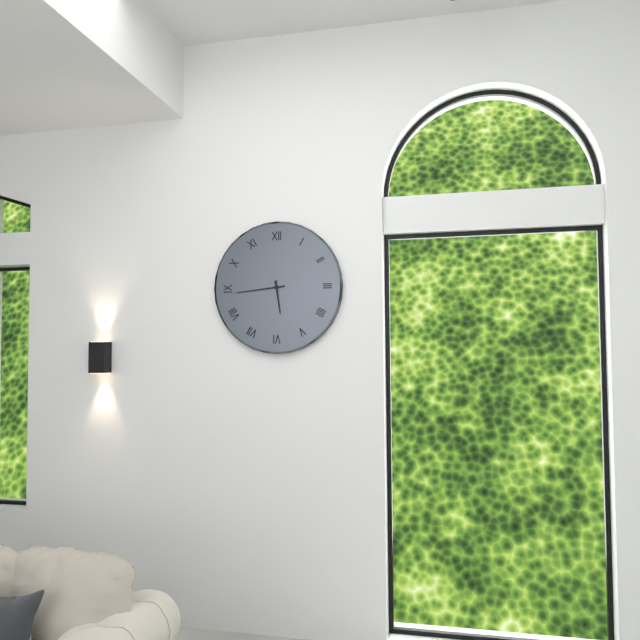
5:44
